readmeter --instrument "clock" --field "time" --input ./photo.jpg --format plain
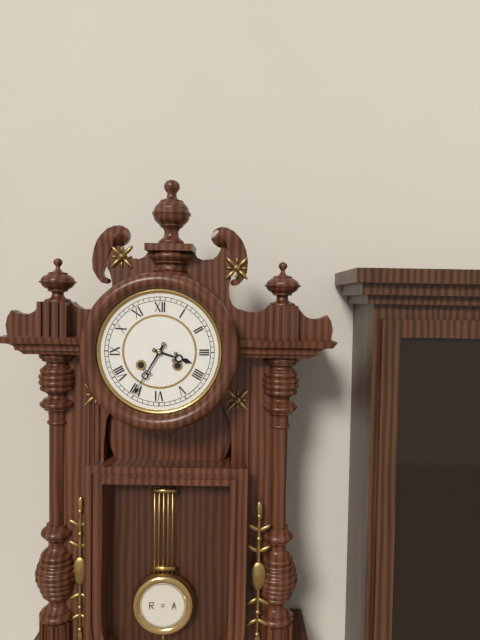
3:35
